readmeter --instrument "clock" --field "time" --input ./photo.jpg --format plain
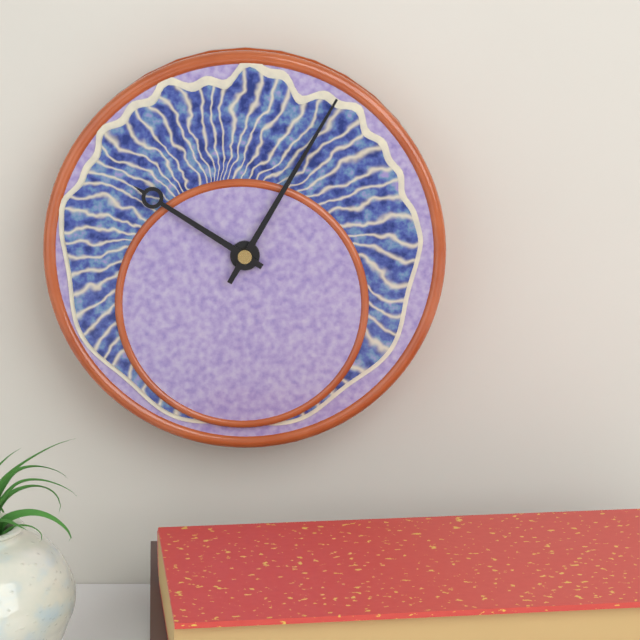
10:05
